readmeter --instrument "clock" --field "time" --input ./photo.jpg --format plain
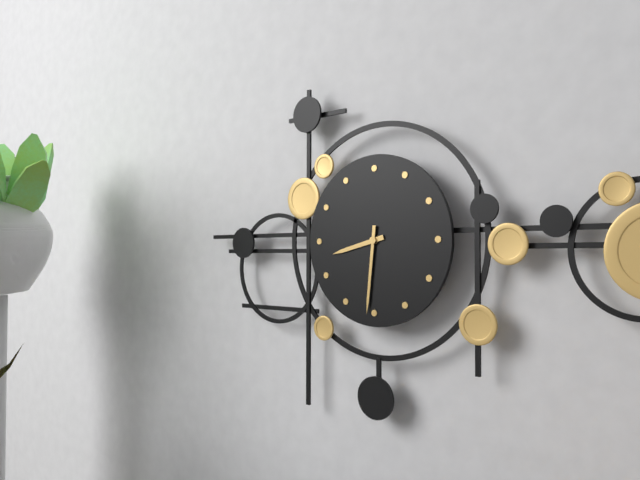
8:31
